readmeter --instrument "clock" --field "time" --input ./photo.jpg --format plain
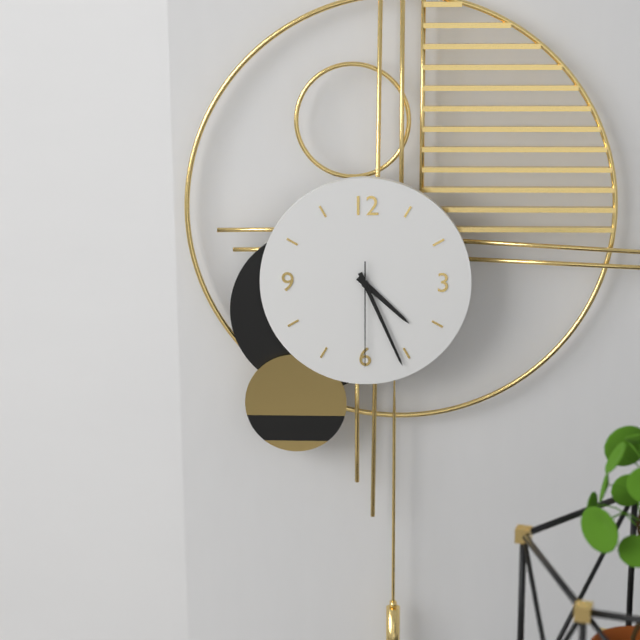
4:26:30
